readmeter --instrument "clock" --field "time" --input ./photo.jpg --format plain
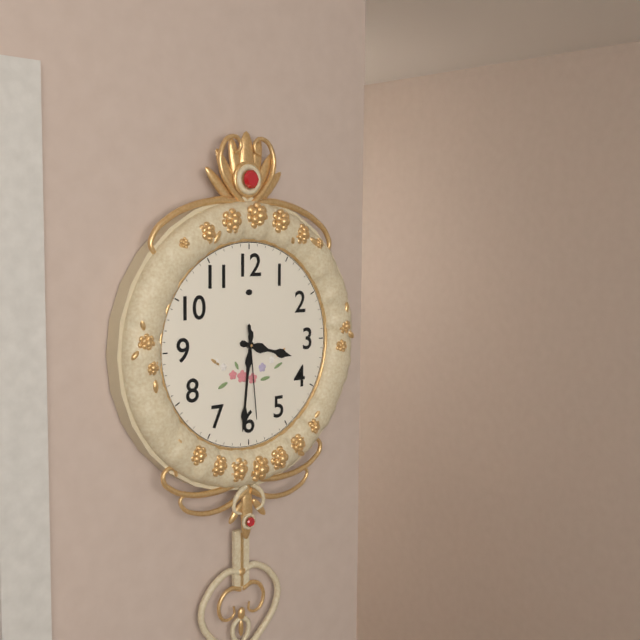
3:31:29
